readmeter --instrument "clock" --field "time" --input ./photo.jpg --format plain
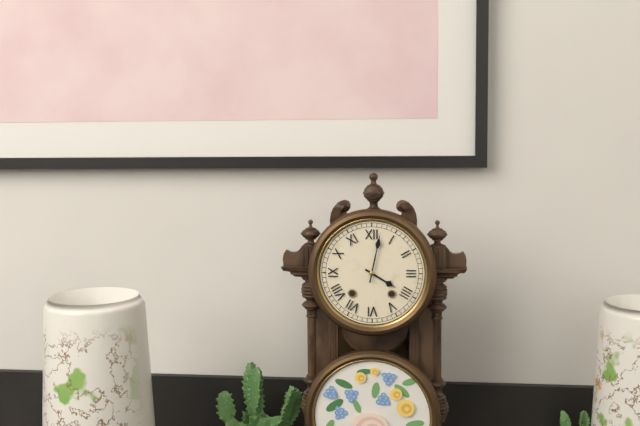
4:02
